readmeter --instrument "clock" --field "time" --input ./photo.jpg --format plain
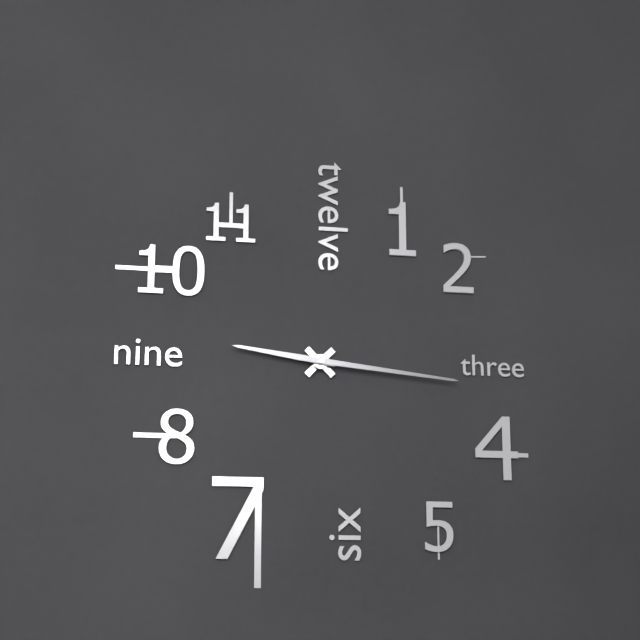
9:16
